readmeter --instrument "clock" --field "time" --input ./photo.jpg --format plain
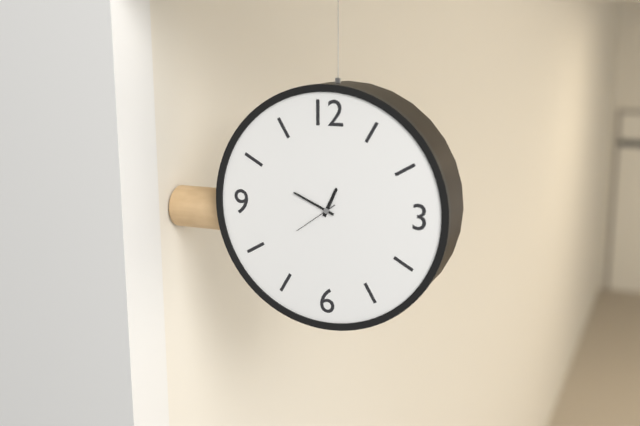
12:49:39
